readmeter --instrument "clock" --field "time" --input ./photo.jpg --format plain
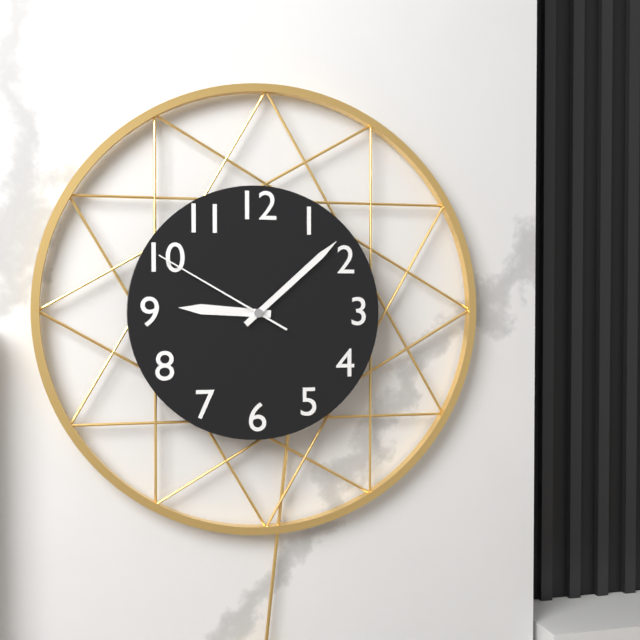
9:08:50
